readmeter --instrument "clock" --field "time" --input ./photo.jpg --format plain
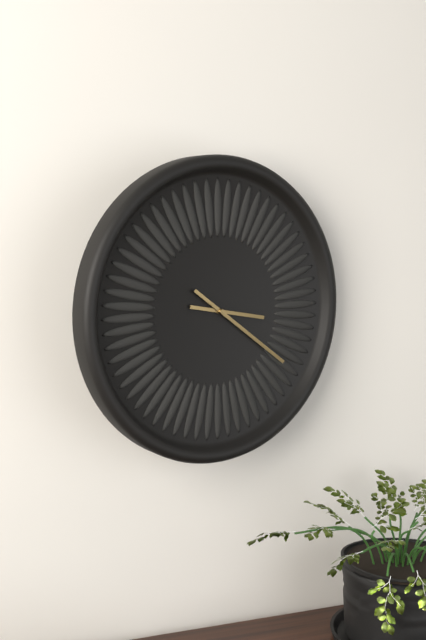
3:21
